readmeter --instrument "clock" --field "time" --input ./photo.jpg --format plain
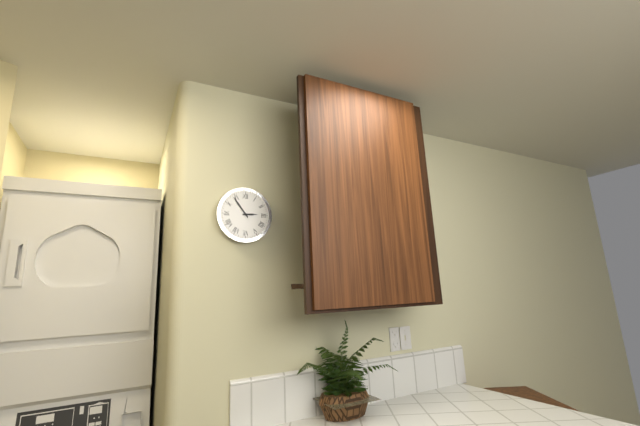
2:54
